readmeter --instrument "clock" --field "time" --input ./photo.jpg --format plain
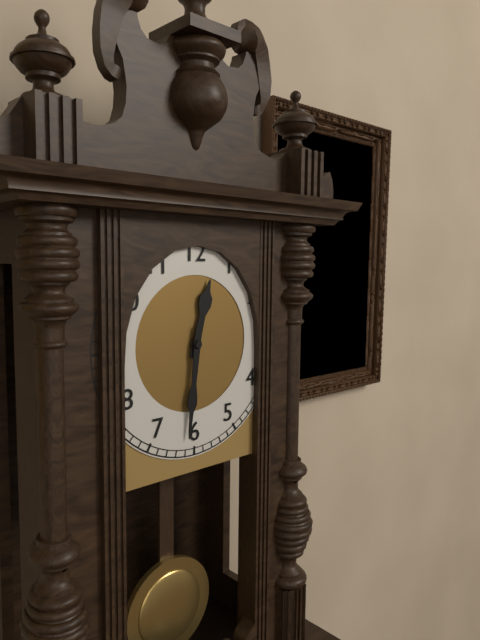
12:31
